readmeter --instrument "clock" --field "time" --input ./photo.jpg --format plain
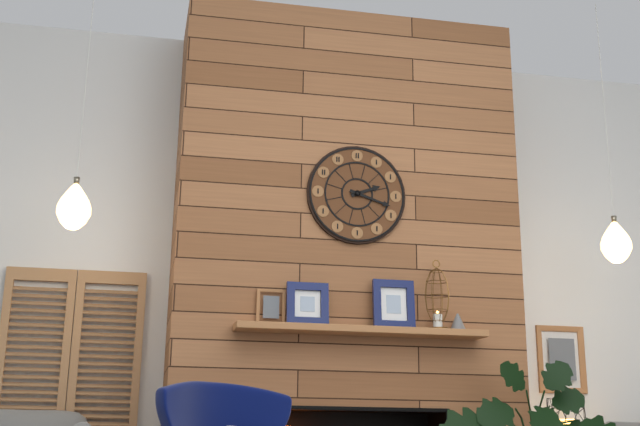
2:18
